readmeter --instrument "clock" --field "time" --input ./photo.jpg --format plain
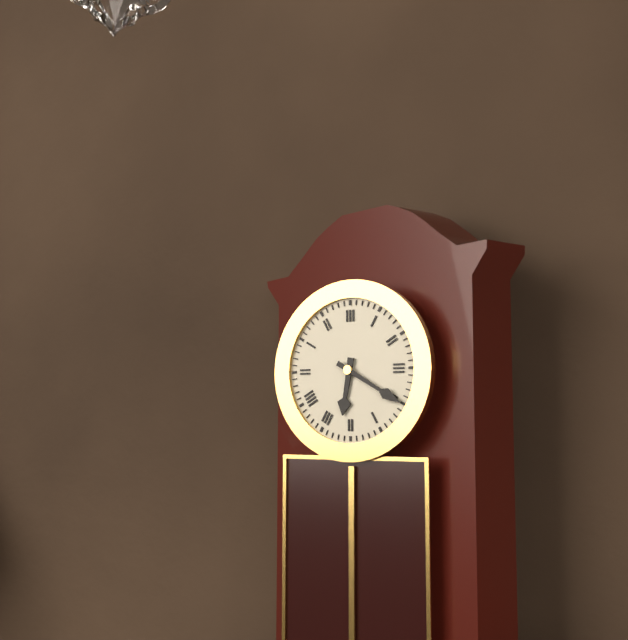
6:20
